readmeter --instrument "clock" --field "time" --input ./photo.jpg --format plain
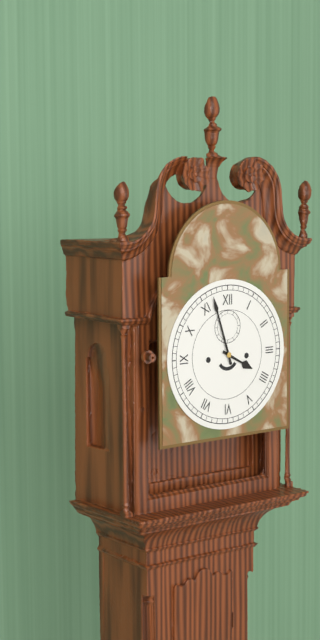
3:57
